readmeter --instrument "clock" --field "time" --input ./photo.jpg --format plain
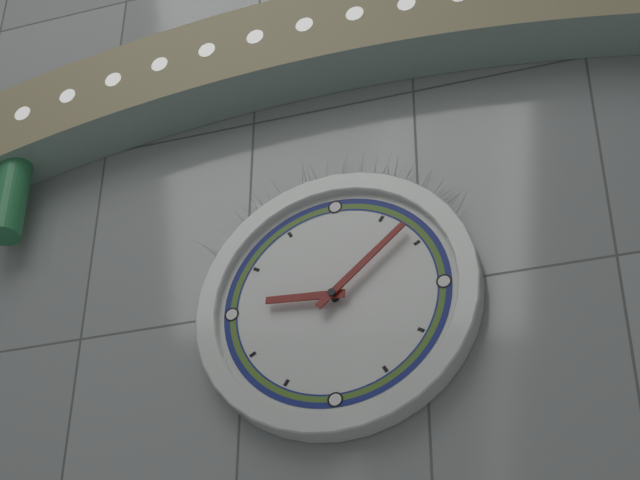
9:08
